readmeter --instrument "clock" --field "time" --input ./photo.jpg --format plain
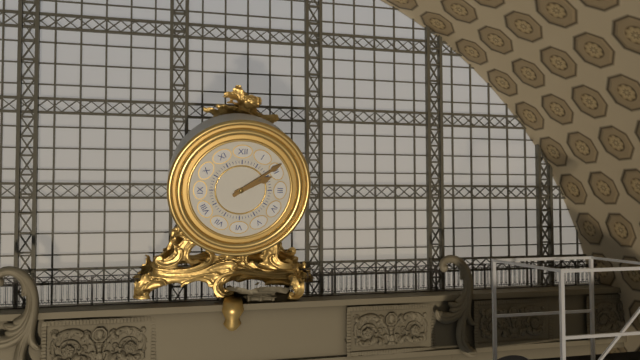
2:09
